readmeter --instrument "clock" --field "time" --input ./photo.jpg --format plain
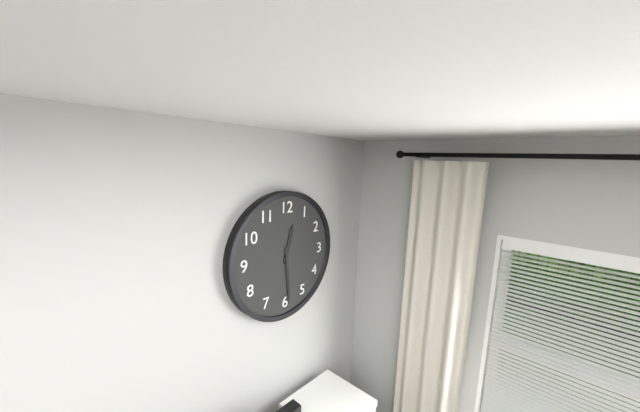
12:29
